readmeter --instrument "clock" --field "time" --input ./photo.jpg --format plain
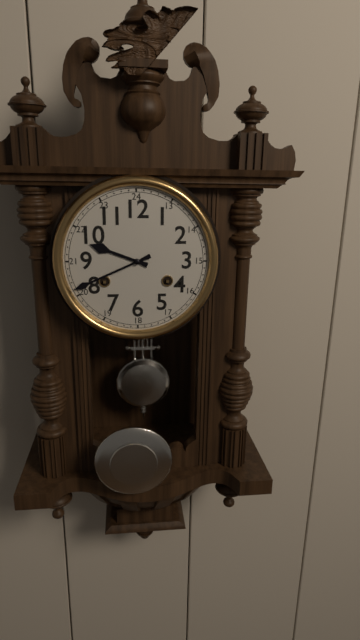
9:41
